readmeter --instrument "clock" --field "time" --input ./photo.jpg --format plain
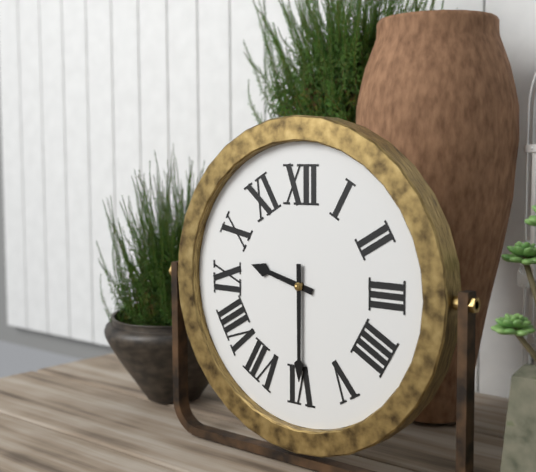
9:30
